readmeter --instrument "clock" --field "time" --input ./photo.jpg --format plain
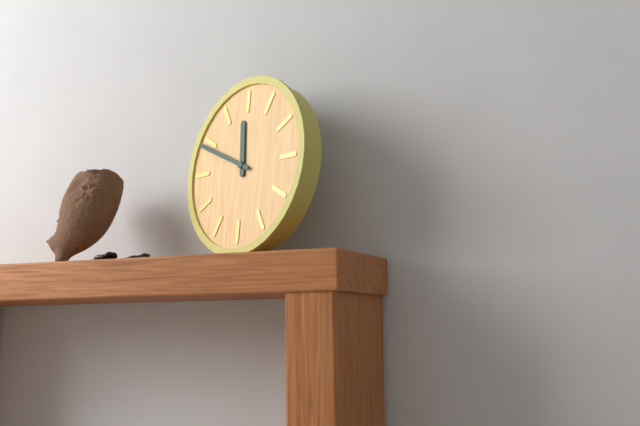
11:49
